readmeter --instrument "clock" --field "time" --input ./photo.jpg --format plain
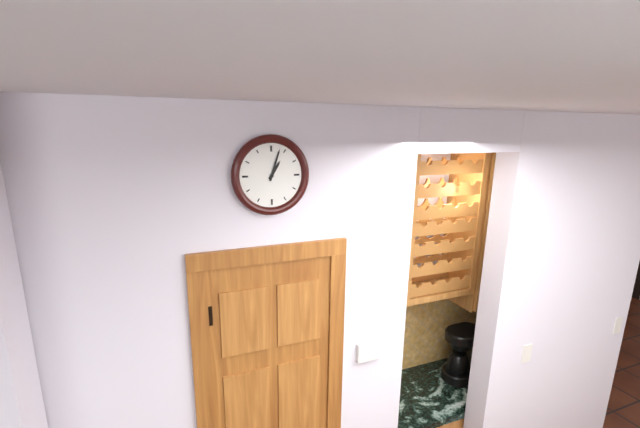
1:03
